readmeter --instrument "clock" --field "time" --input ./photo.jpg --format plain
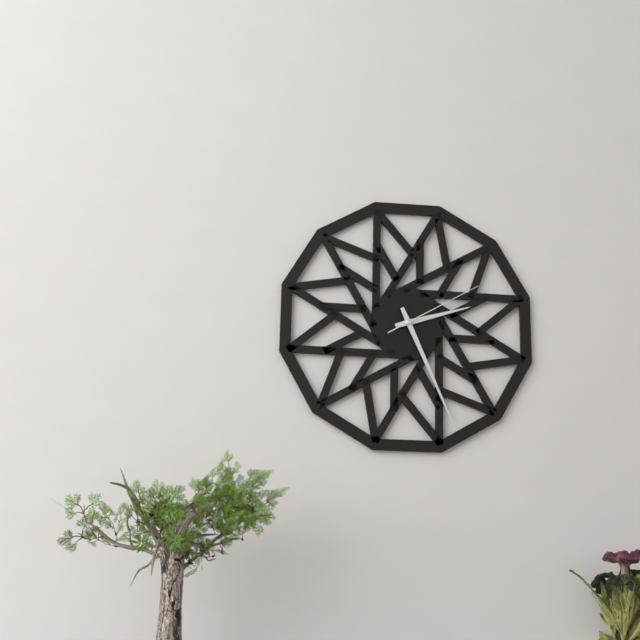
2:26:10
